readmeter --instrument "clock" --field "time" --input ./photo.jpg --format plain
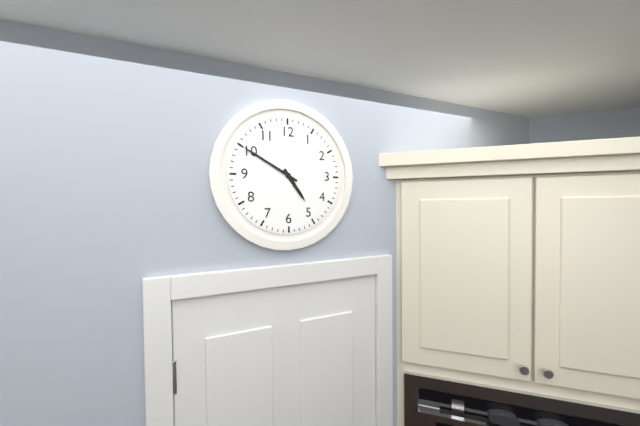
4:50
